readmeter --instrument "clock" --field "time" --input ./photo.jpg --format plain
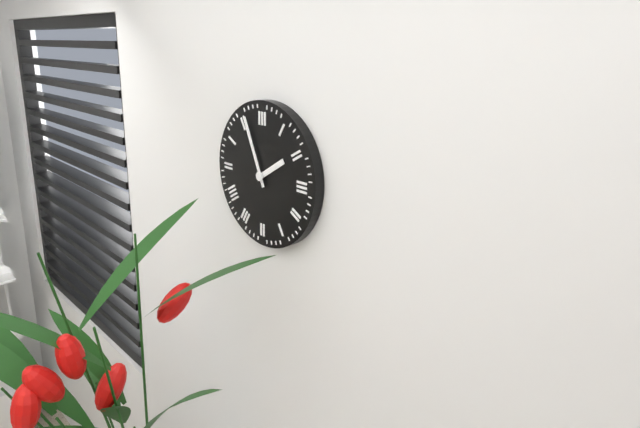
1:56
